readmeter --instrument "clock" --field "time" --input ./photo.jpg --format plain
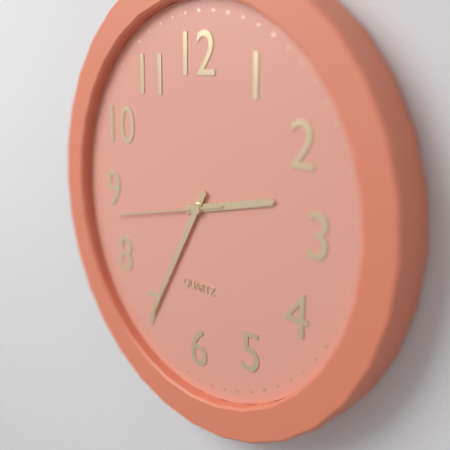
2:35:43
